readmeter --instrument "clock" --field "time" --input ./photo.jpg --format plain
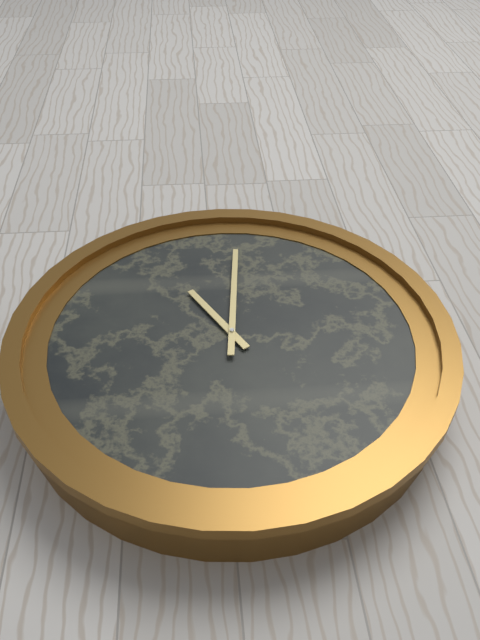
11:01
